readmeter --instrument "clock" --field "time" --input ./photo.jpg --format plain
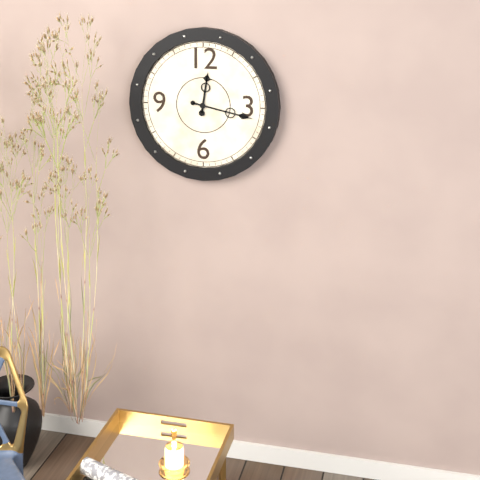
12:17
